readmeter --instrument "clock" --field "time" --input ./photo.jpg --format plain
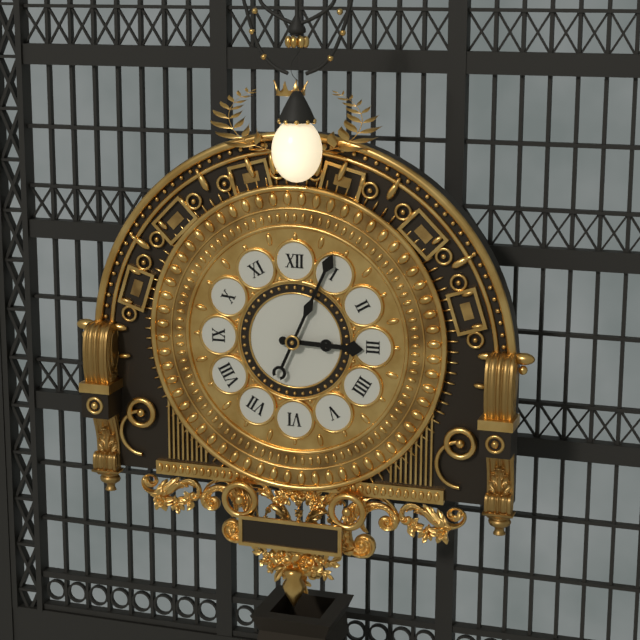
3:04
